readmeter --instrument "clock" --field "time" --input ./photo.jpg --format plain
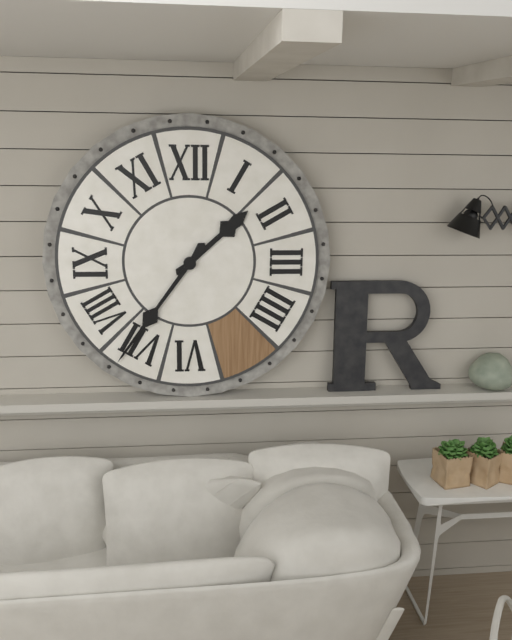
1:36
